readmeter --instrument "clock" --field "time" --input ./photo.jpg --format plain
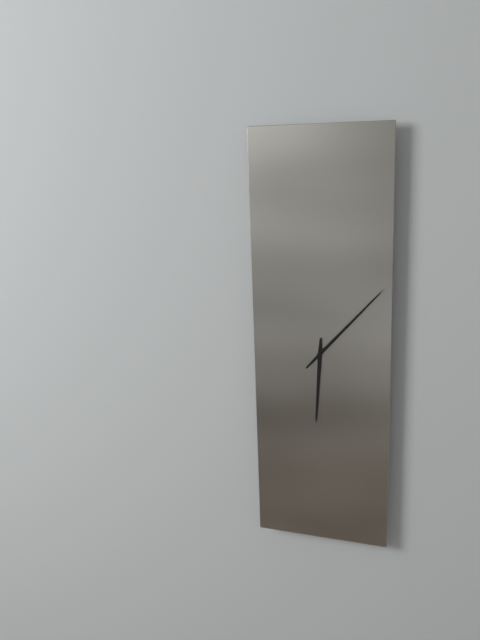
6:07
